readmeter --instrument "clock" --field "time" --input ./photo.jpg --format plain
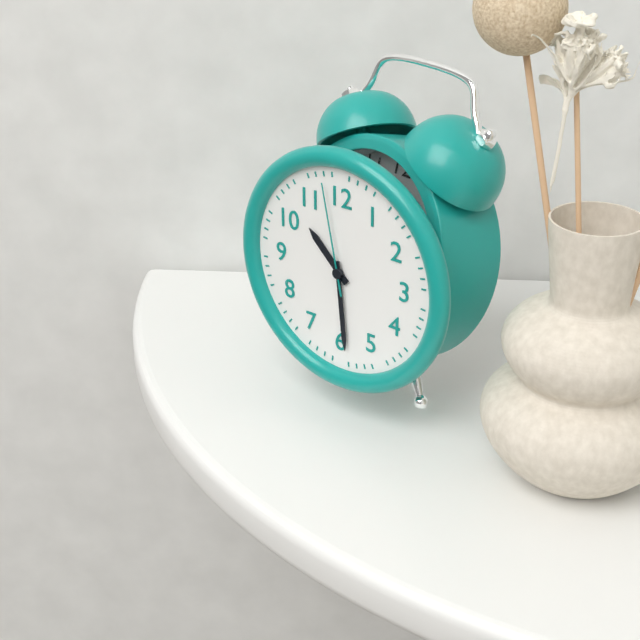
10:29:58
